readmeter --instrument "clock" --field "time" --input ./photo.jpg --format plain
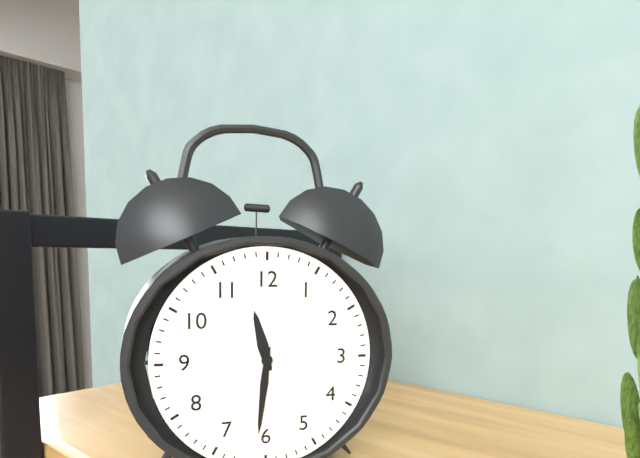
11:31
